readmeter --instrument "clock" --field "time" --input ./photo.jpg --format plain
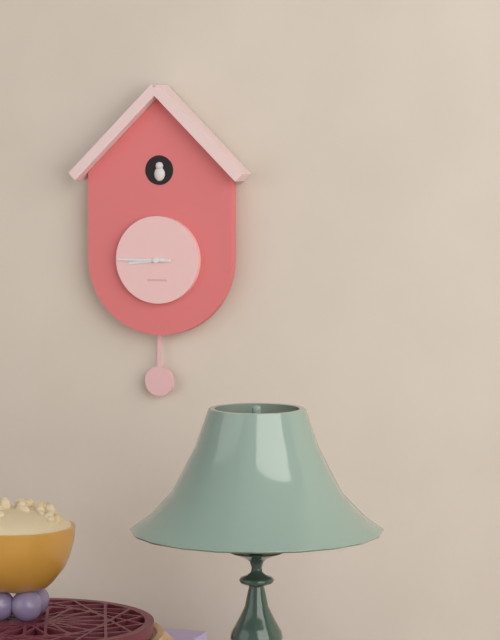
8:45
